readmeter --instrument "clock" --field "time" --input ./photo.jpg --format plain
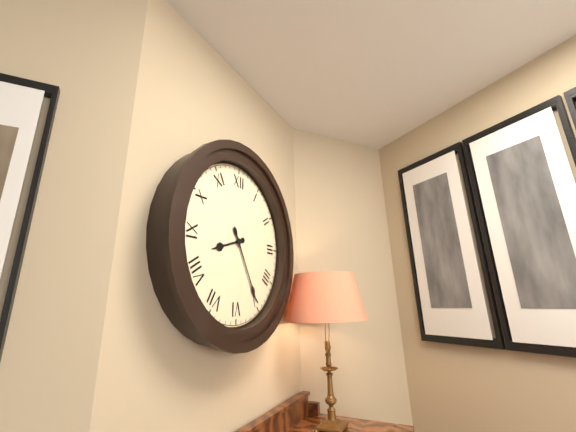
8:25
